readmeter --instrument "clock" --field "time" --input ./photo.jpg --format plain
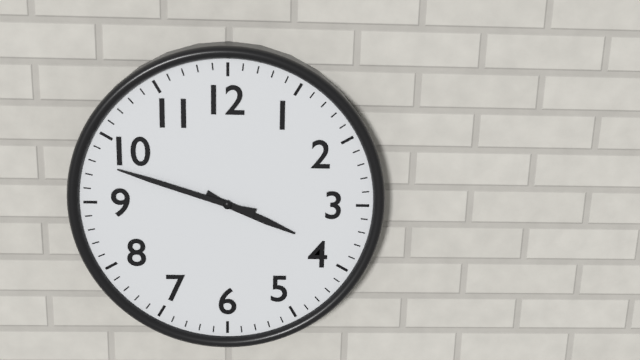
3:48
